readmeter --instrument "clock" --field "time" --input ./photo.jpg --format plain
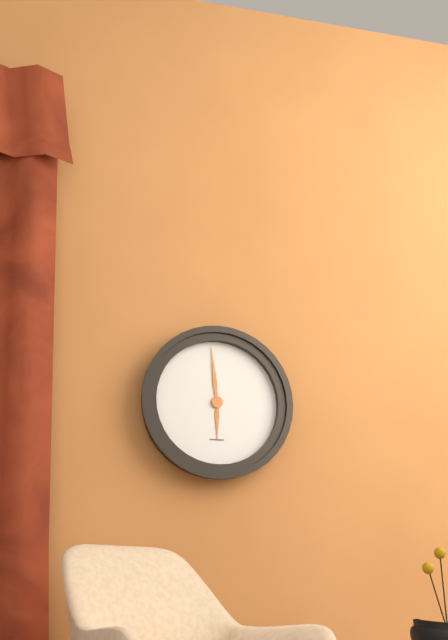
5:59
